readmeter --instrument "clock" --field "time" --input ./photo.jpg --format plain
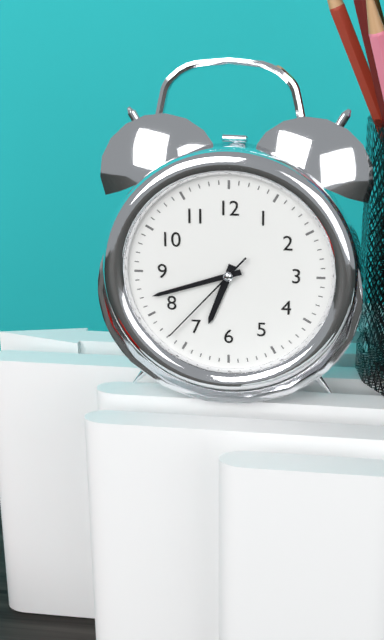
6:42:37
